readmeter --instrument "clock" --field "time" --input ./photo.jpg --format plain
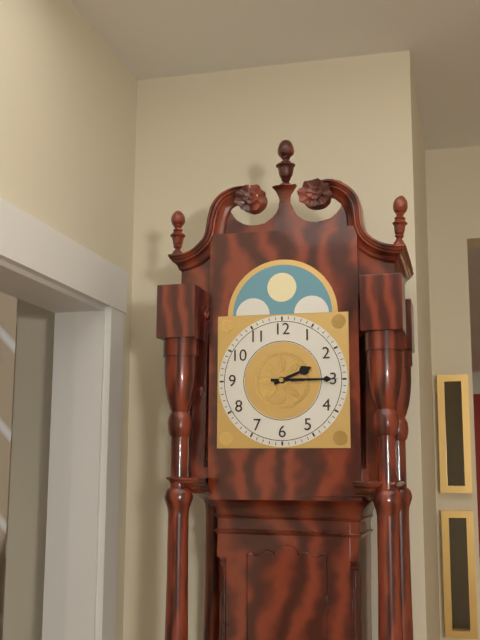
2:15
